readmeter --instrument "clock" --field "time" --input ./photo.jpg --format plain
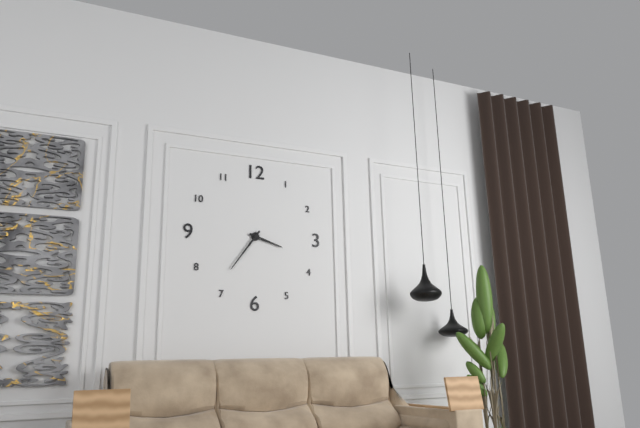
3:36
